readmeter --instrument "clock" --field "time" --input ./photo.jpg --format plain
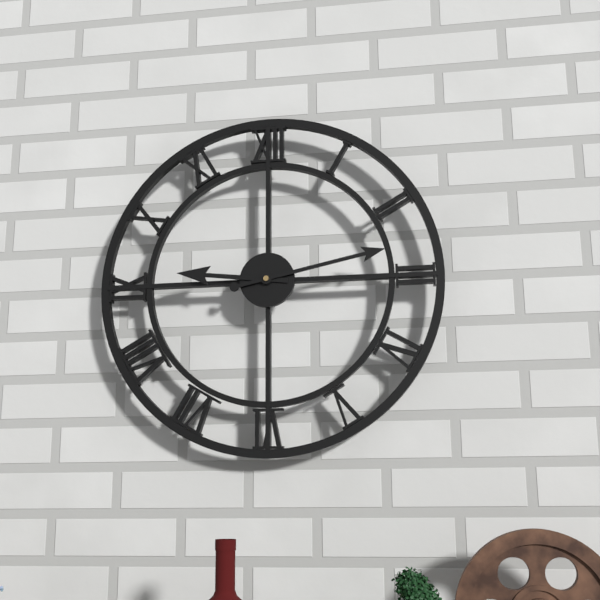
9:13
